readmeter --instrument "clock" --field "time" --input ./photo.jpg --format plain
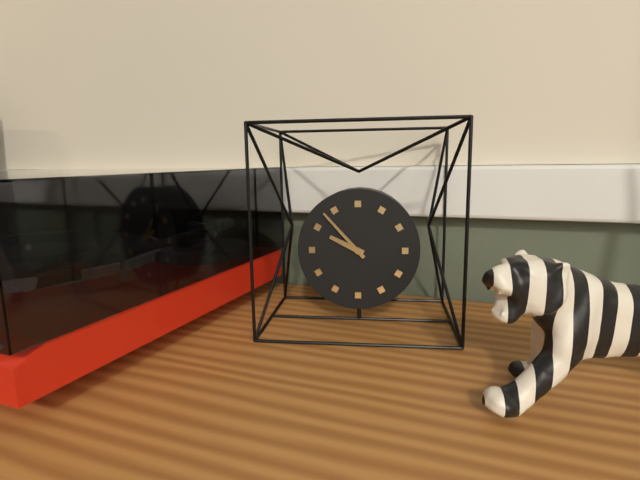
9:53
